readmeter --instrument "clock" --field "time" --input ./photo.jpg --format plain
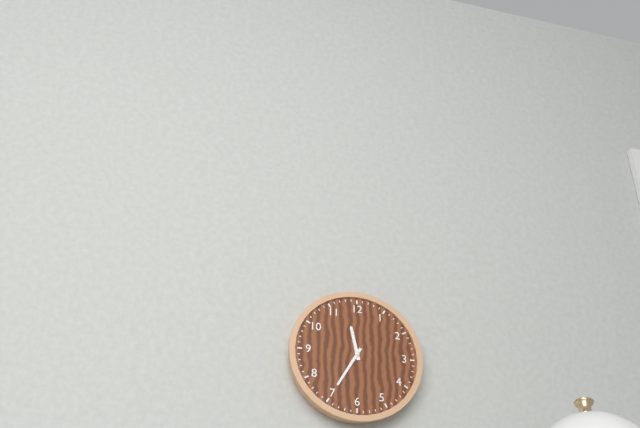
11:35
